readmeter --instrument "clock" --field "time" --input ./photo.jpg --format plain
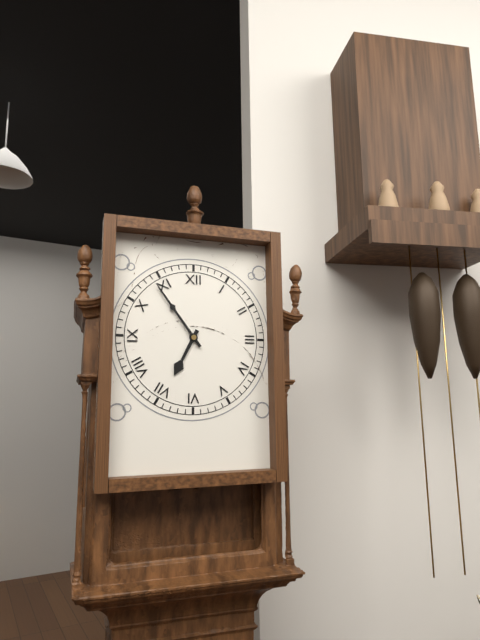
6:54
